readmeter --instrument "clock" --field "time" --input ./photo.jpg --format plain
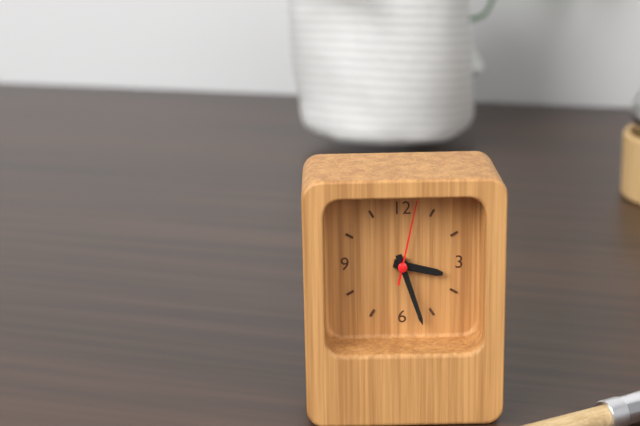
3:27:02
